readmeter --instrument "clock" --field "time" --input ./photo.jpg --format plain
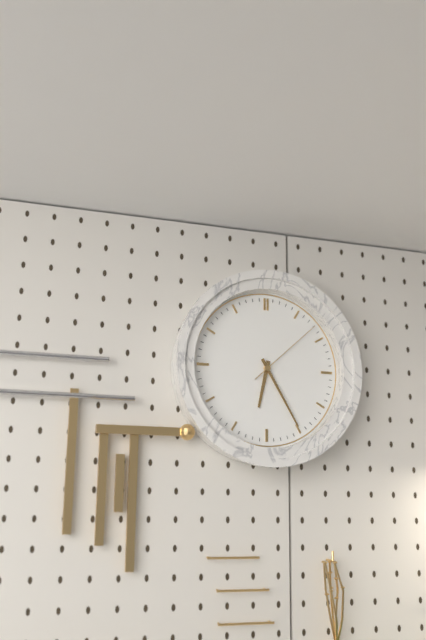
6:25:08
